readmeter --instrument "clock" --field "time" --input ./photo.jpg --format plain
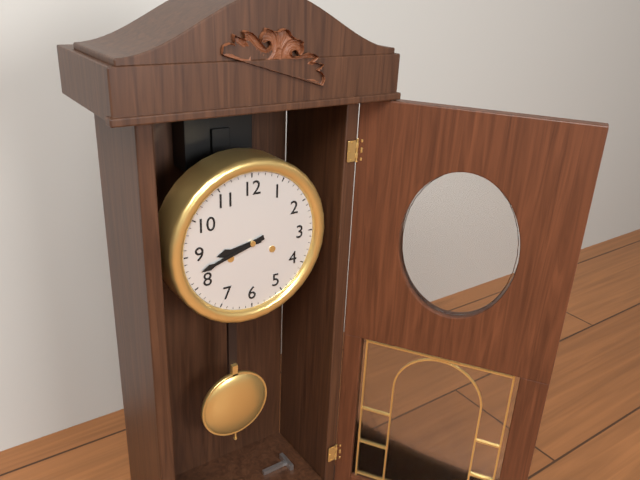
8:42
